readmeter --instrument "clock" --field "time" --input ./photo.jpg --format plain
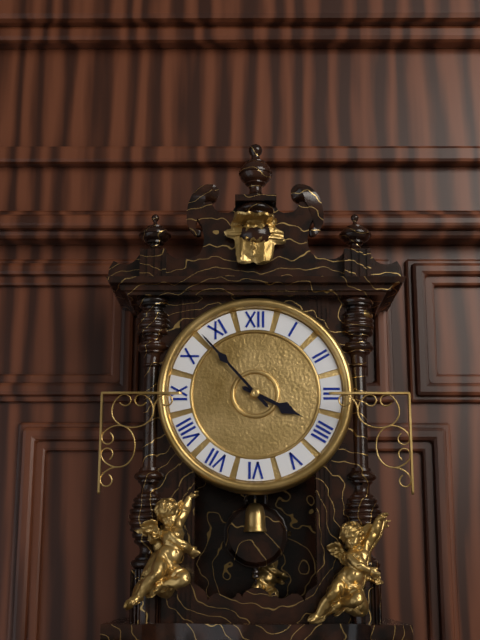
3:53
